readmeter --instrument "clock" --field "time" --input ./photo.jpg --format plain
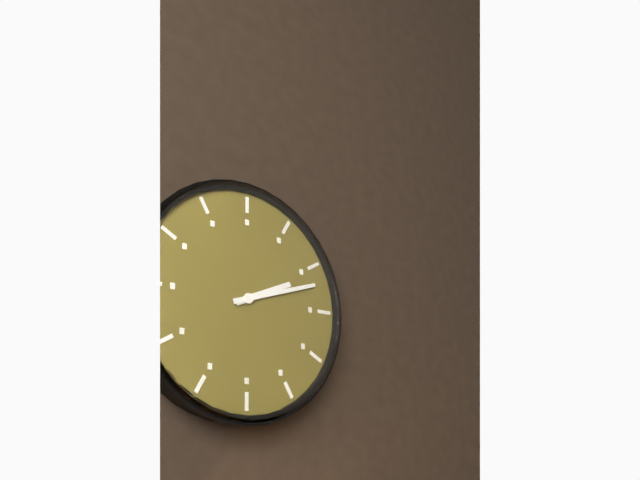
2:12
